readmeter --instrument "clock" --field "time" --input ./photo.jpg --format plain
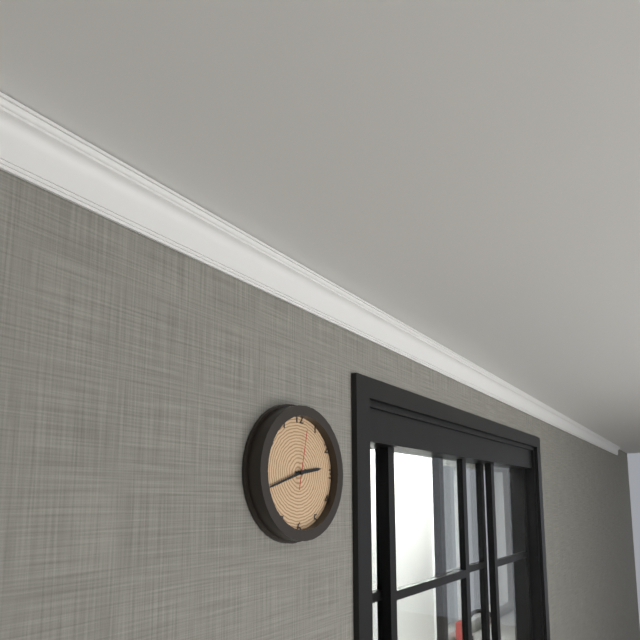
2:42:02
